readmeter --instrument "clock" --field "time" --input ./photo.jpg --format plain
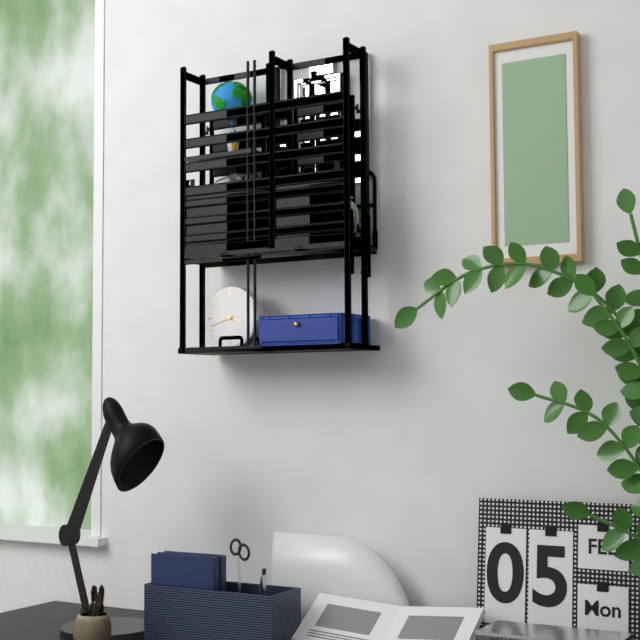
3:42
